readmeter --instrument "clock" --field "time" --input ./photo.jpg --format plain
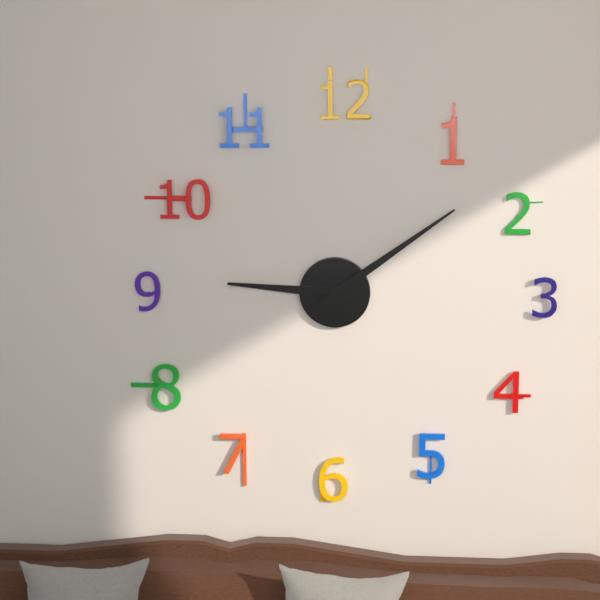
9:09
